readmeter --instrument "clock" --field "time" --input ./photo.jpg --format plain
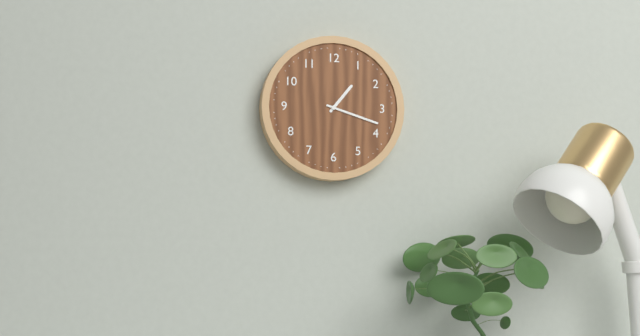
1:18
